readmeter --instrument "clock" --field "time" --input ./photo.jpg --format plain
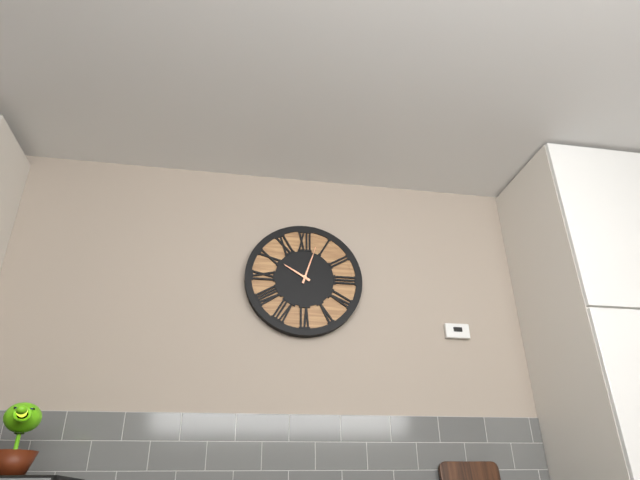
10:03
